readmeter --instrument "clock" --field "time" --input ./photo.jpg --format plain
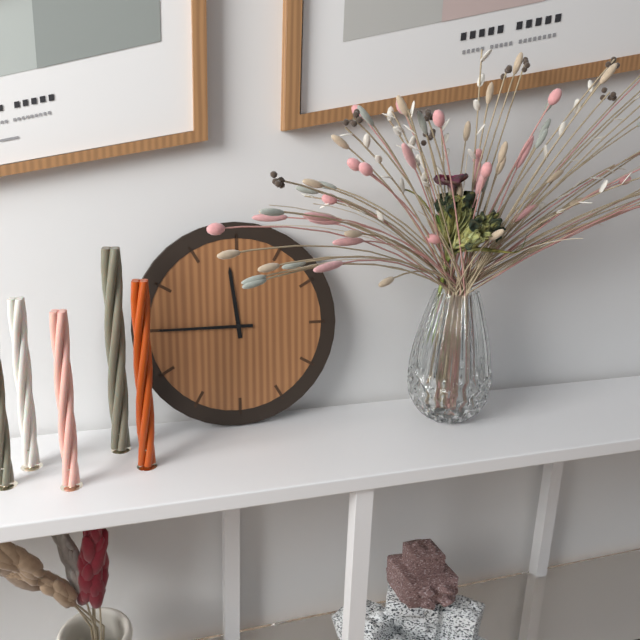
11:45
